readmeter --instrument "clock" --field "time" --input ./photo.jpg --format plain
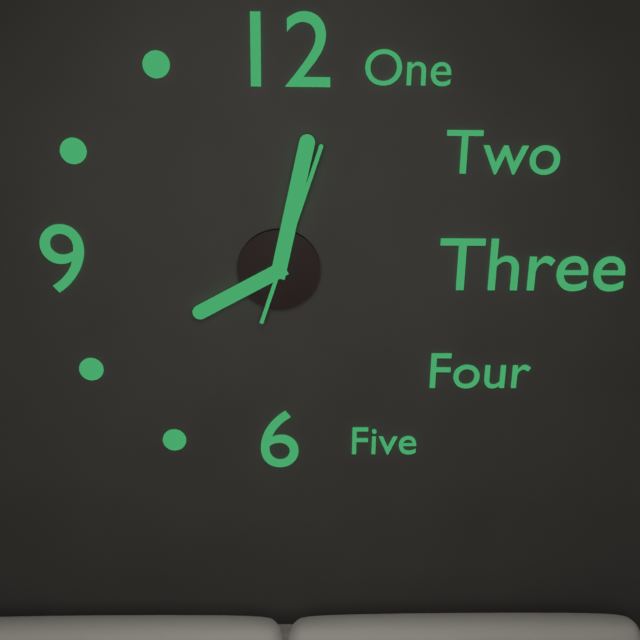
8:02:03
